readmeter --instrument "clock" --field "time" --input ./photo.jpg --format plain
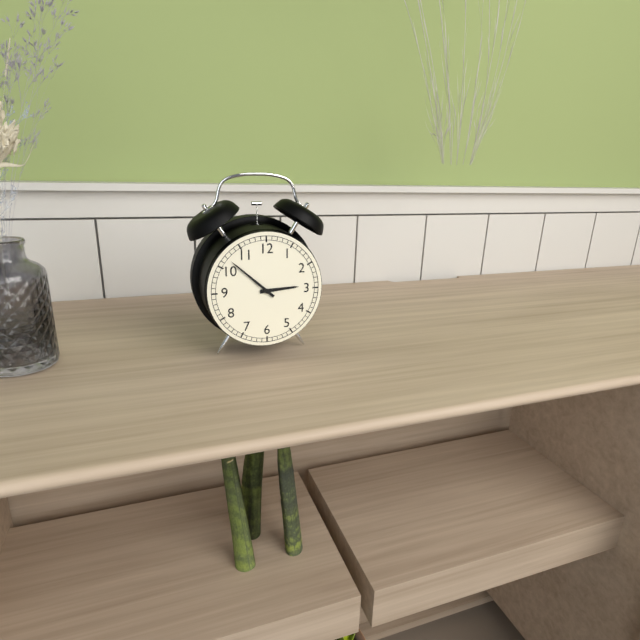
2:52
